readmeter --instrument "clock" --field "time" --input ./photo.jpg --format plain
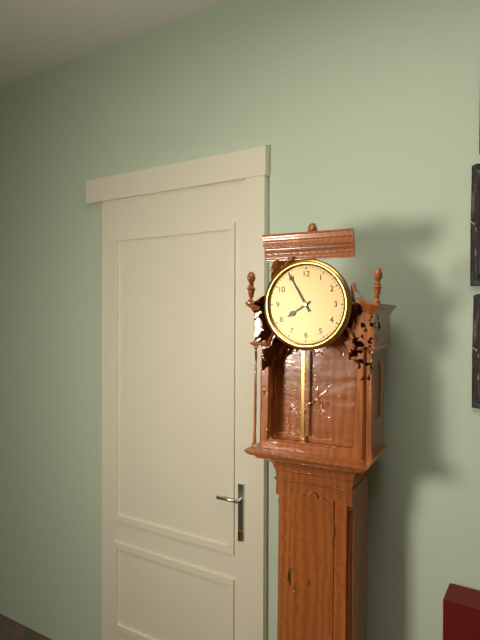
7:55
